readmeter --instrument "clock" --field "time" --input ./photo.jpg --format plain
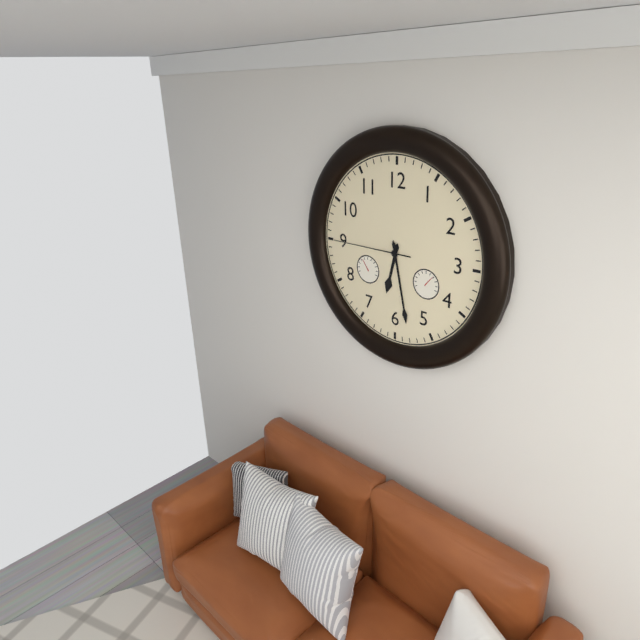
6:28:45
